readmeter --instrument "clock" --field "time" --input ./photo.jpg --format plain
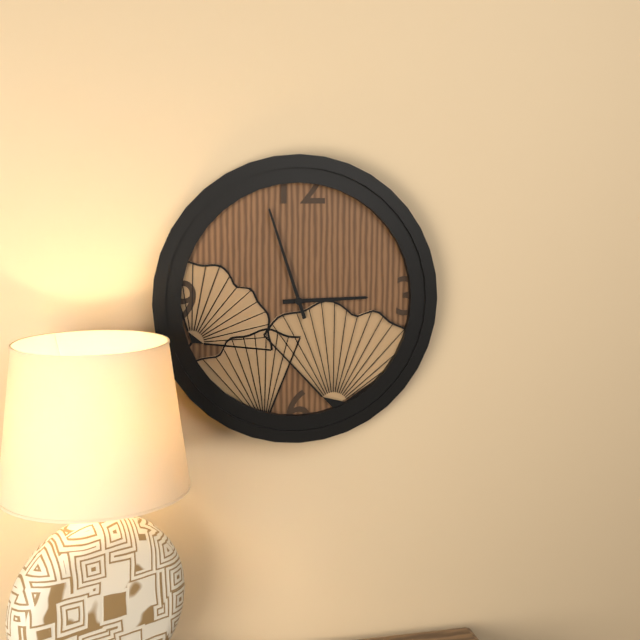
2:57
